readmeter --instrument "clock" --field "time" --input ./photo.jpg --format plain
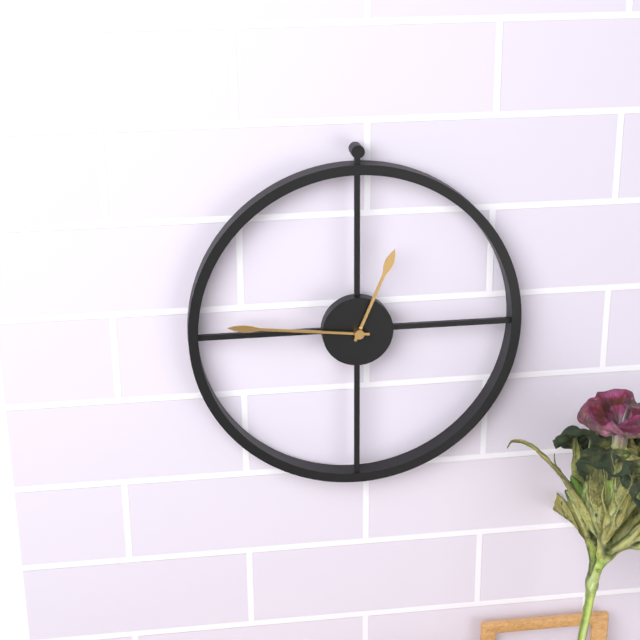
12:46
